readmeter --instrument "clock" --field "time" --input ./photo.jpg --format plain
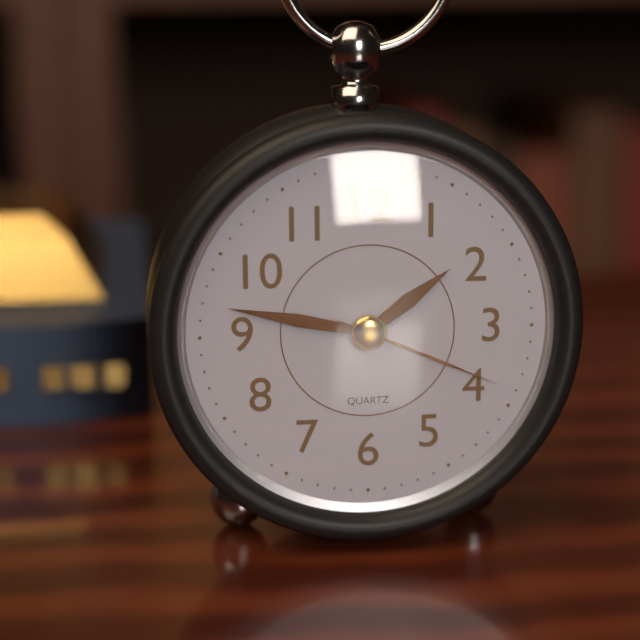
1:47:19
